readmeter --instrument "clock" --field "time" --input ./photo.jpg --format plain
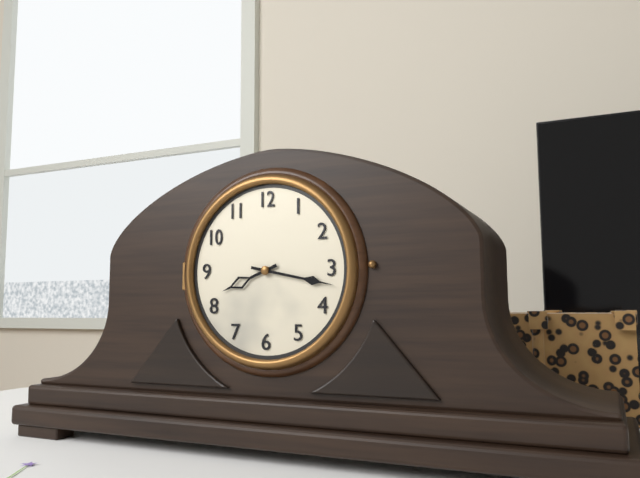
8:17
